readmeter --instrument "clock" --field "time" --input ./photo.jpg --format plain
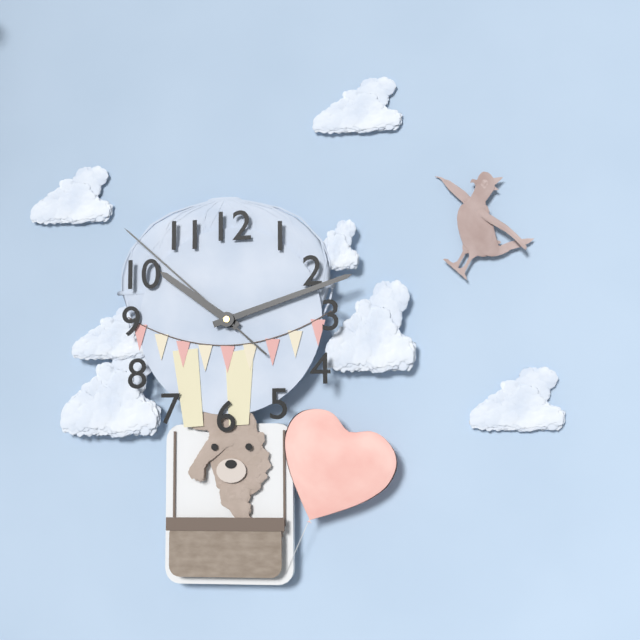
10:12:52
